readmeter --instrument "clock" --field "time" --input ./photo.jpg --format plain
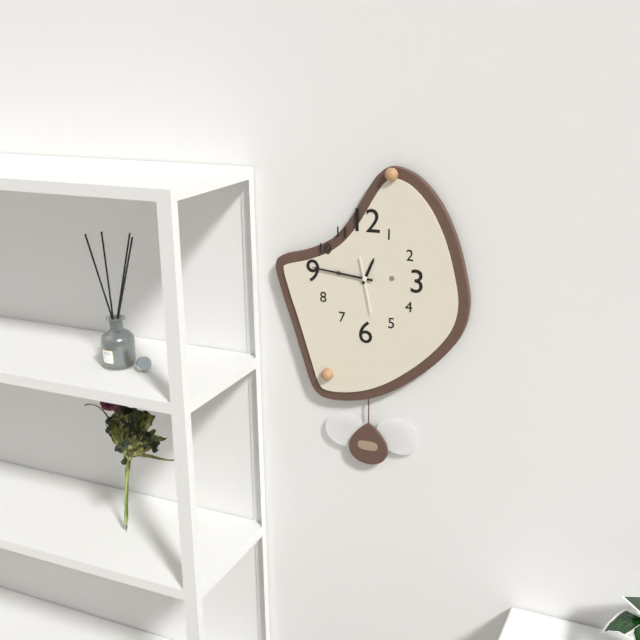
12:46
